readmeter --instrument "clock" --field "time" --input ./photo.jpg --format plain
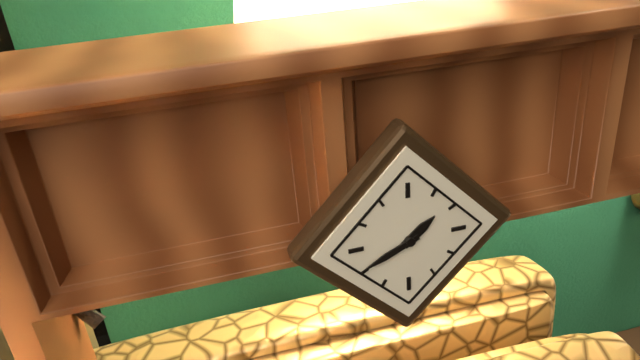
1:41
